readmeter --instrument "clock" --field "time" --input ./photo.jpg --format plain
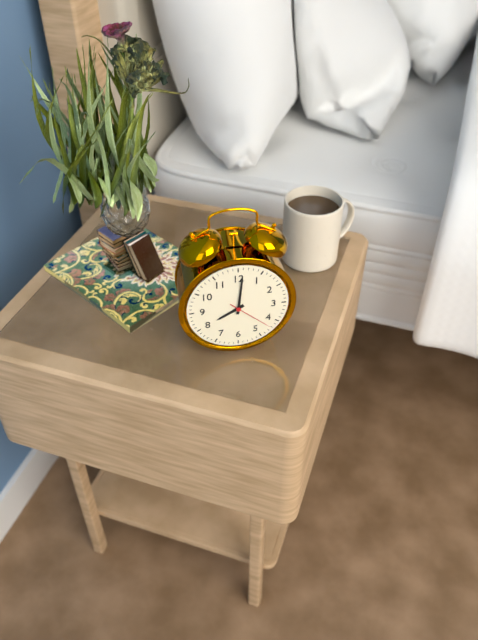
8:01
